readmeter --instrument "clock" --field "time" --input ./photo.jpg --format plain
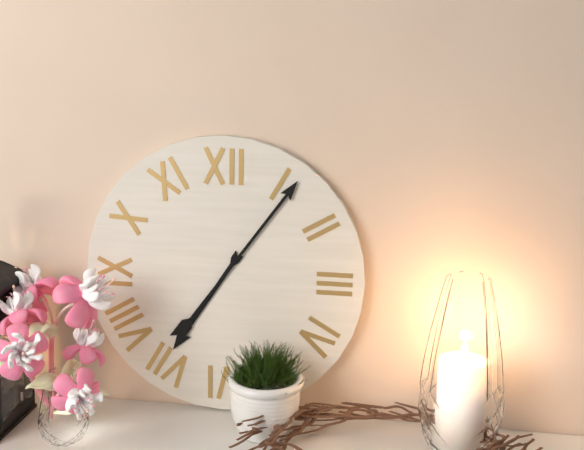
7:06
